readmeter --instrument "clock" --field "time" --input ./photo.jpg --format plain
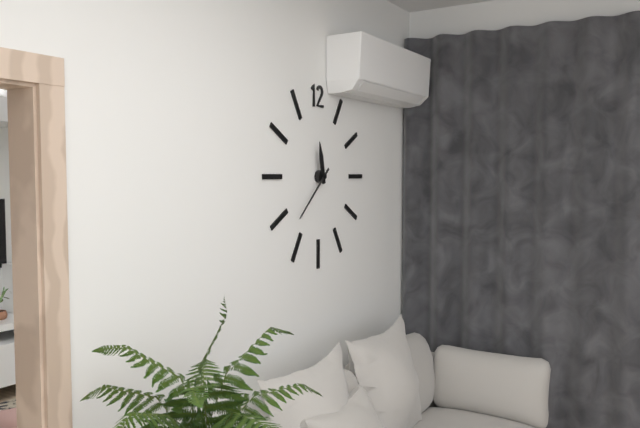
11:38
